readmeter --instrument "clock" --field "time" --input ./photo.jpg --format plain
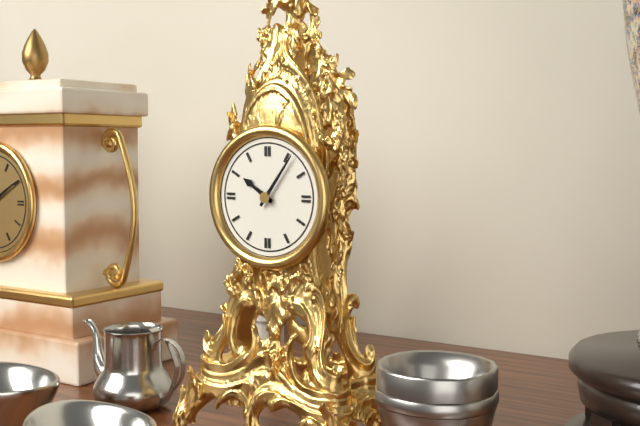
10:06
